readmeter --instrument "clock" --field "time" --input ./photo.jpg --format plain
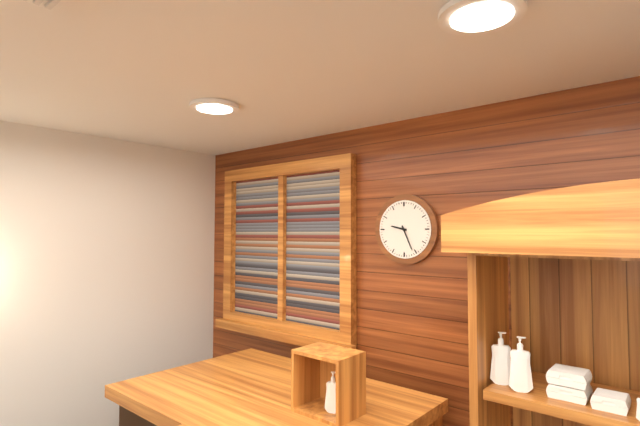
9:26
